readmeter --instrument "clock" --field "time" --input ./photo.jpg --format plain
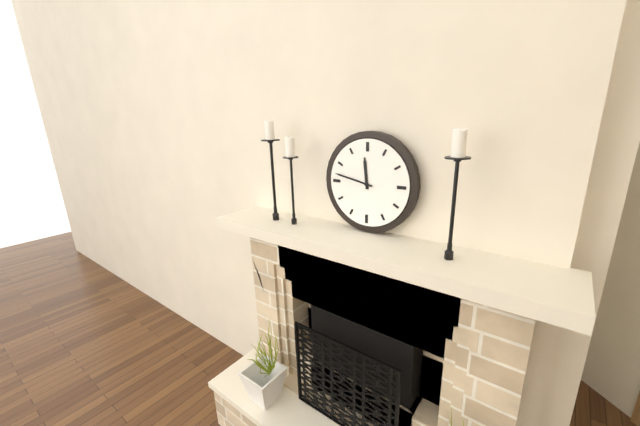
11:47
